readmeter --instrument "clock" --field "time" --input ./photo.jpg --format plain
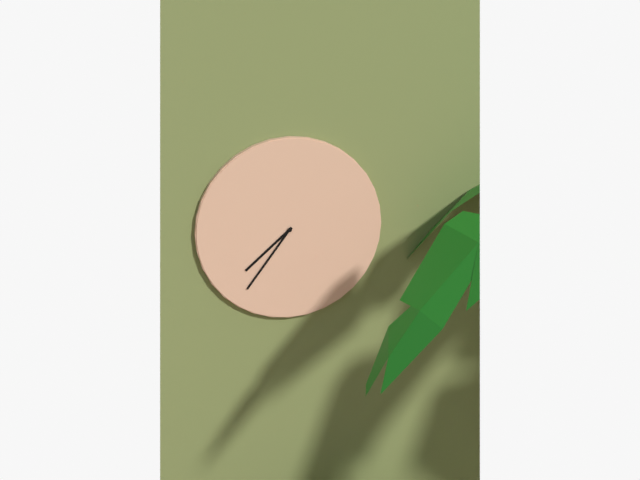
7:36
